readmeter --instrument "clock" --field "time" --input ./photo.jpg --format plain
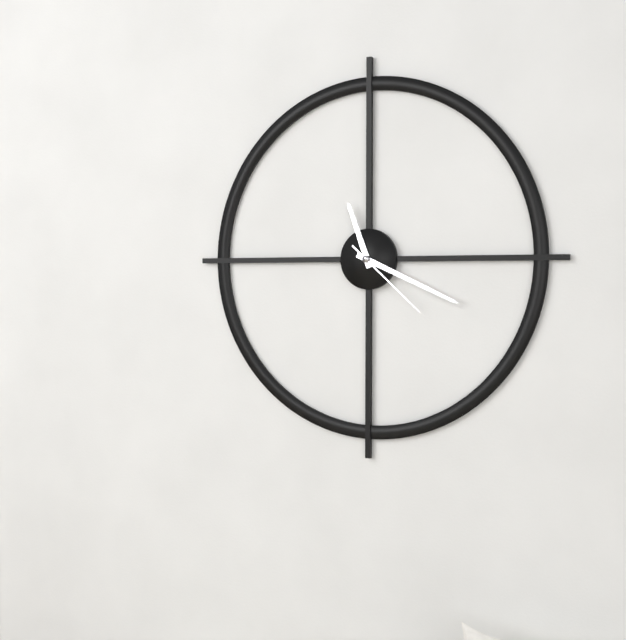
11:19:22
